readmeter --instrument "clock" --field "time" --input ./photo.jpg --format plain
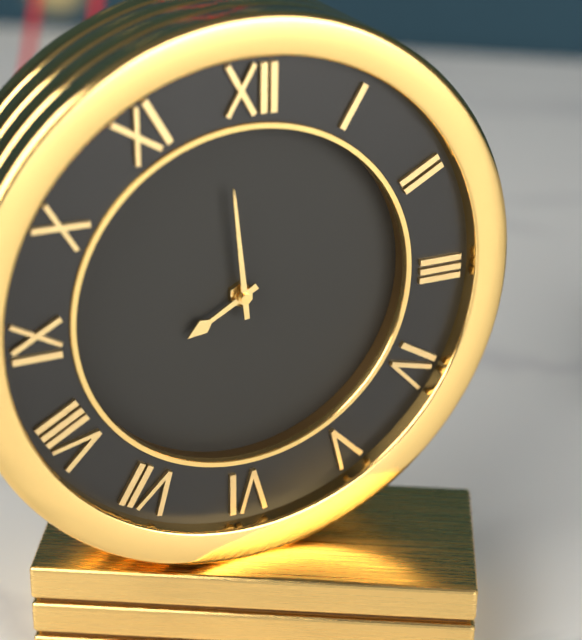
7:59
